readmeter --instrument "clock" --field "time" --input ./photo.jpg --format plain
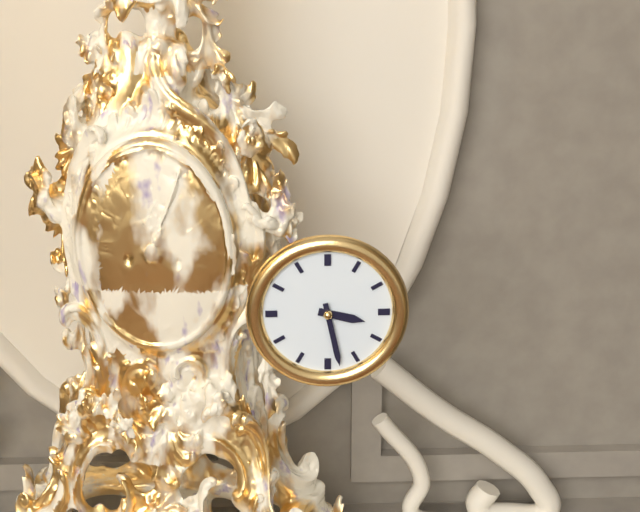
3:28
